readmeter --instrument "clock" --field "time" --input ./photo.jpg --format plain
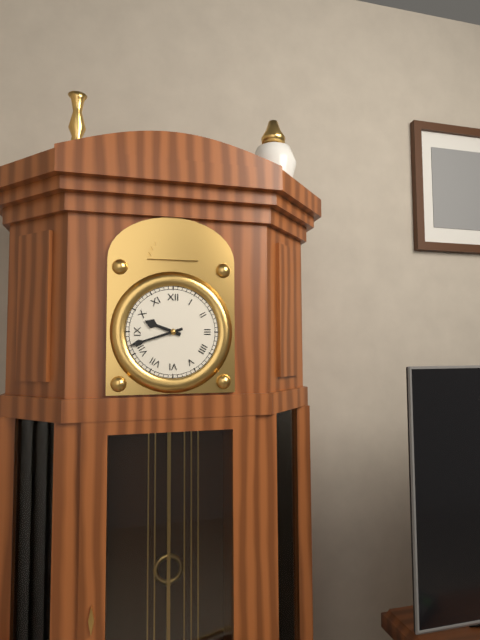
9:42
